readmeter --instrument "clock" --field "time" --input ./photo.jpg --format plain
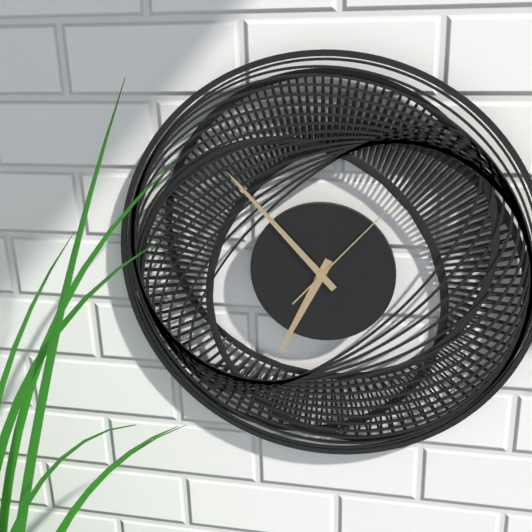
6:53:07
